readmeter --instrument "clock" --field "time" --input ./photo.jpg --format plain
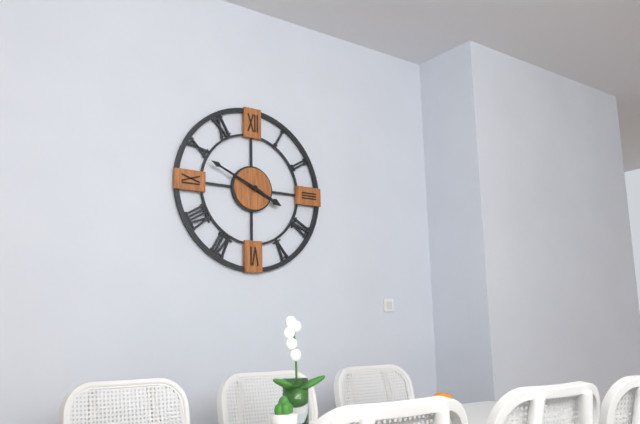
3:49
